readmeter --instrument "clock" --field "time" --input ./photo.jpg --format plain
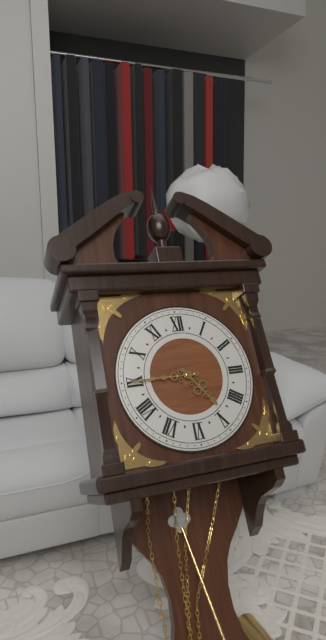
4:45
